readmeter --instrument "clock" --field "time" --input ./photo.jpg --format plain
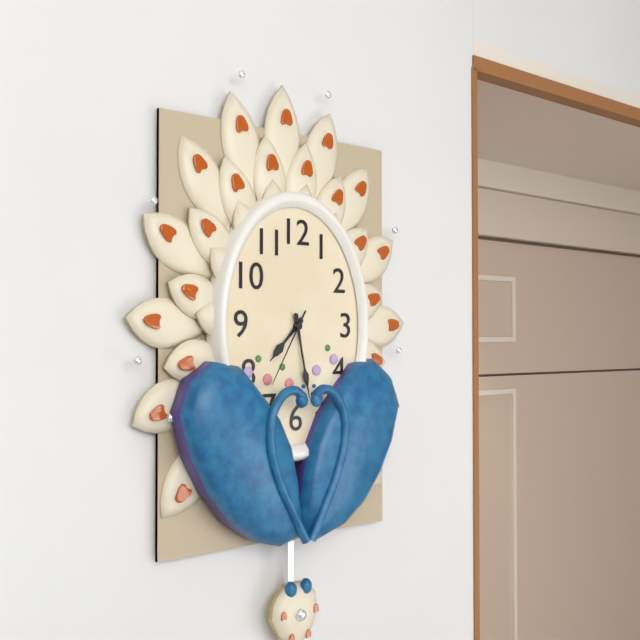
7:28:35
